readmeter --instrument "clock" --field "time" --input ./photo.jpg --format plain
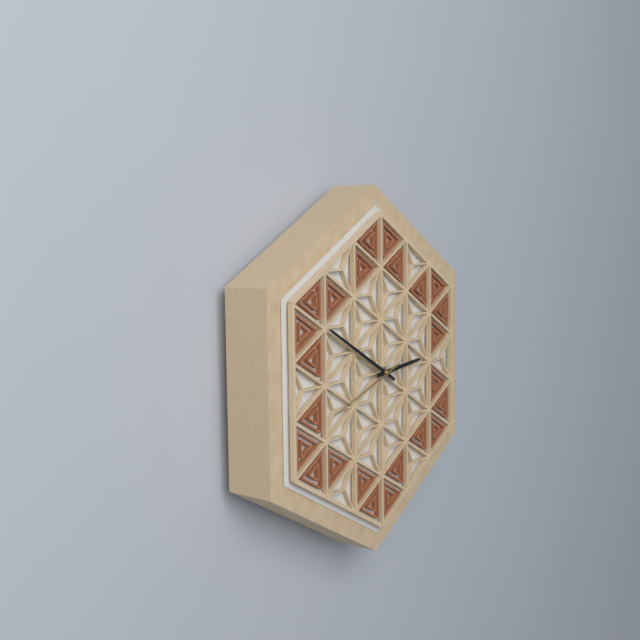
2:50:42
